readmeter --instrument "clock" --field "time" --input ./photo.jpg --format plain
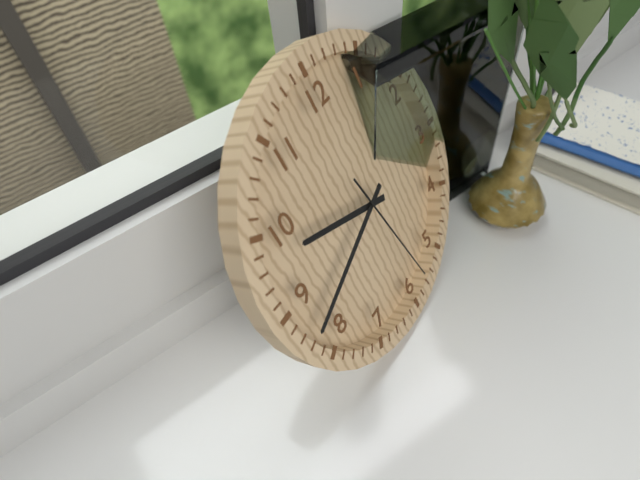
9:42:28
